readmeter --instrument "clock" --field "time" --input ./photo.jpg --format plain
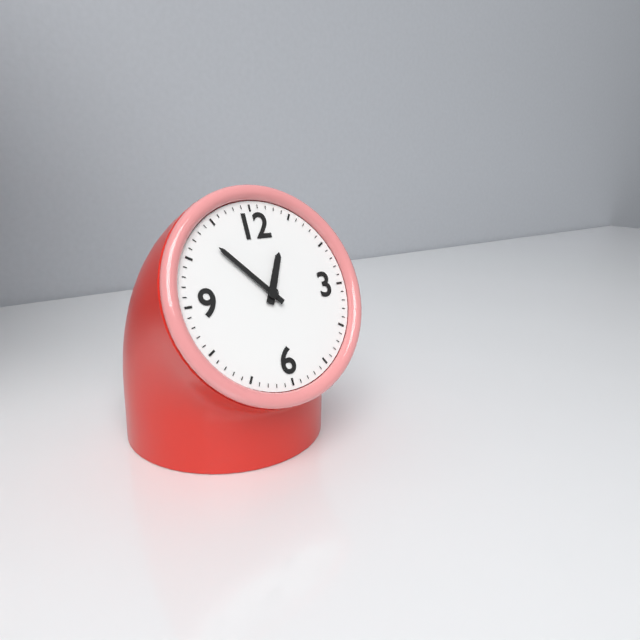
12:53
